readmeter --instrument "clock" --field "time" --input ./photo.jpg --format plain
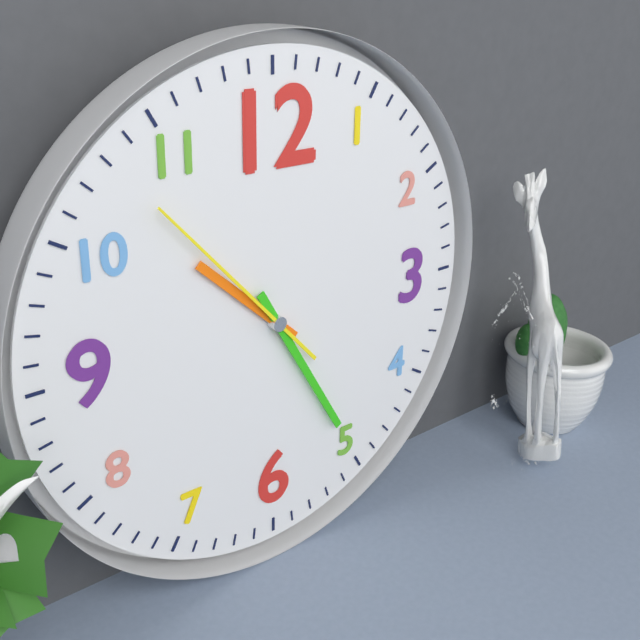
10:25:53
